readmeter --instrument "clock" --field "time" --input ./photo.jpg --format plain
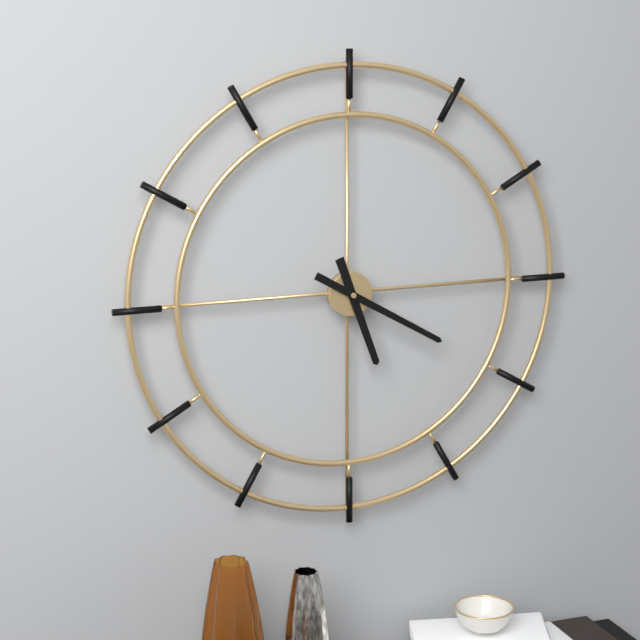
5:20
